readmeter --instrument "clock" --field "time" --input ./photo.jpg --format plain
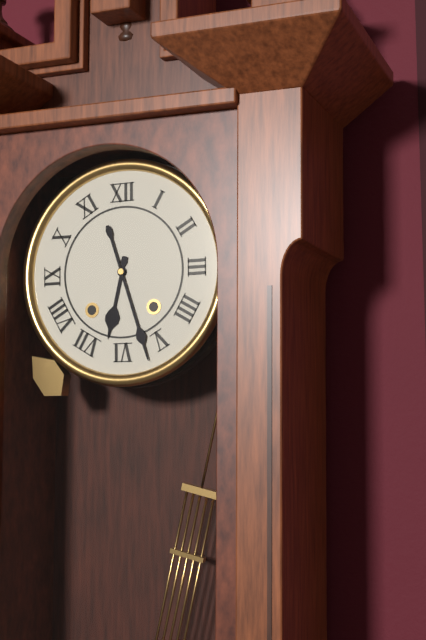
6:27
